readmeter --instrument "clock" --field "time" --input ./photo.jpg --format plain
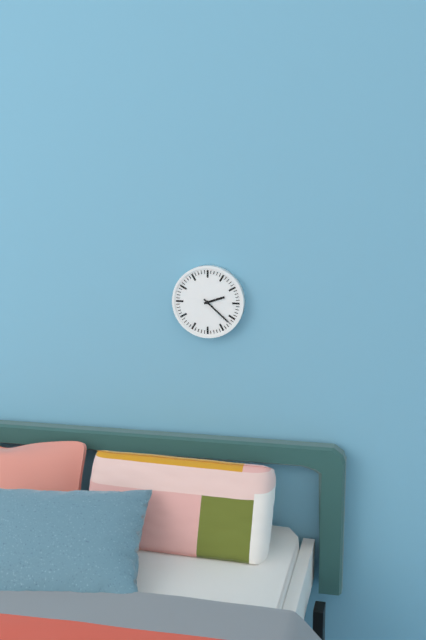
2:22
